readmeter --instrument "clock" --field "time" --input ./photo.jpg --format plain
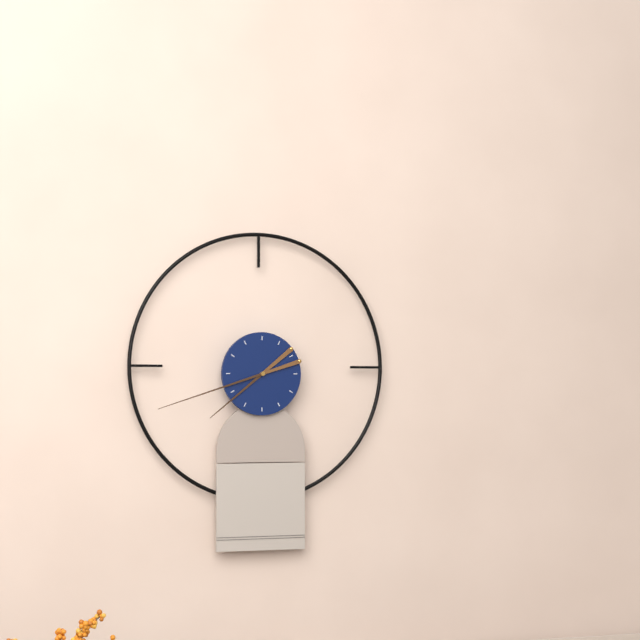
7:42
